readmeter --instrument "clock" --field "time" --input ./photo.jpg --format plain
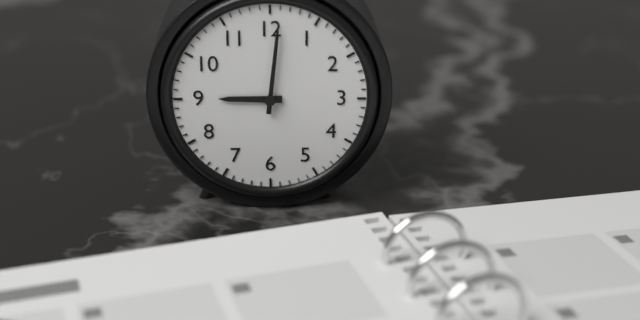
9:01
